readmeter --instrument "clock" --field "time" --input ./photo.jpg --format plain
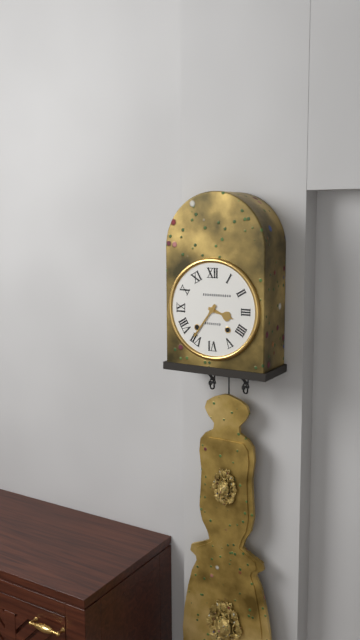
3:36
